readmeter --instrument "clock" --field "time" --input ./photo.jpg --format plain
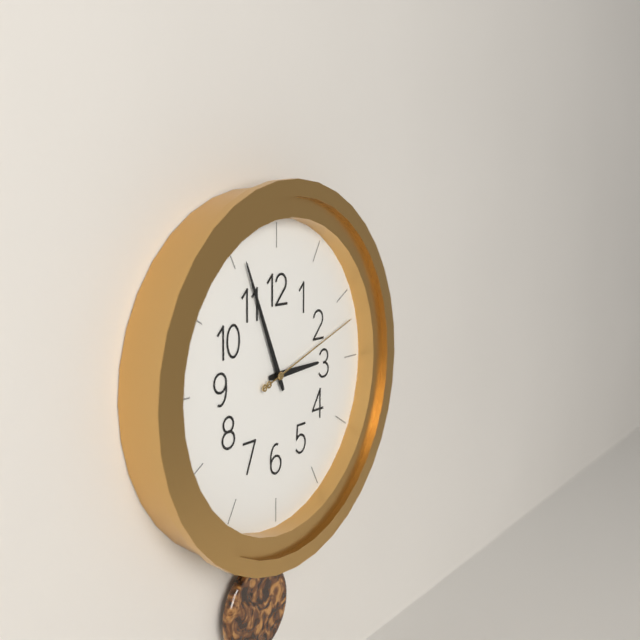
2:56:12
